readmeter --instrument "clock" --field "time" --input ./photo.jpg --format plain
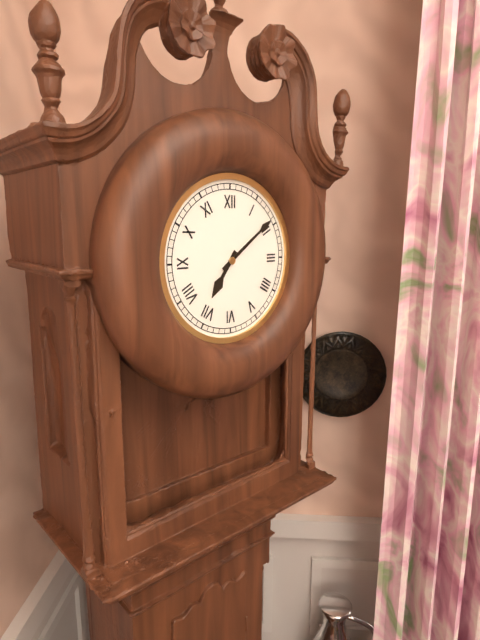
7:09
